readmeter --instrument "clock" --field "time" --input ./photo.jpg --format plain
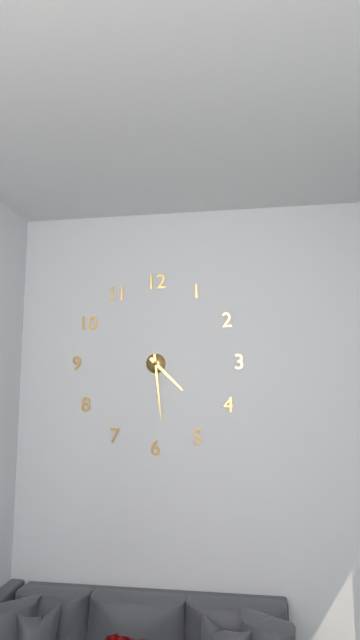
4:29
